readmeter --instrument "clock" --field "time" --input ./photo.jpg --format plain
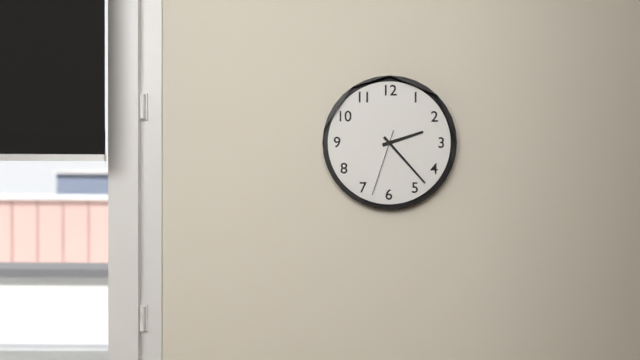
2:23:33
